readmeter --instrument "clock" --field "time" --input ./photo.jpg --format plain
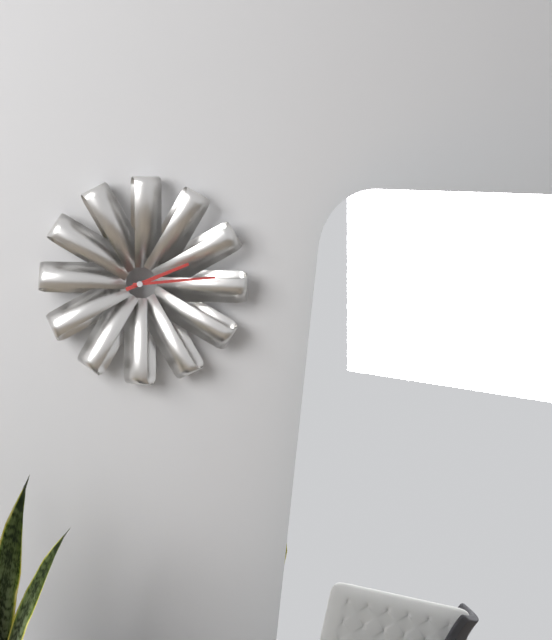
2:14
